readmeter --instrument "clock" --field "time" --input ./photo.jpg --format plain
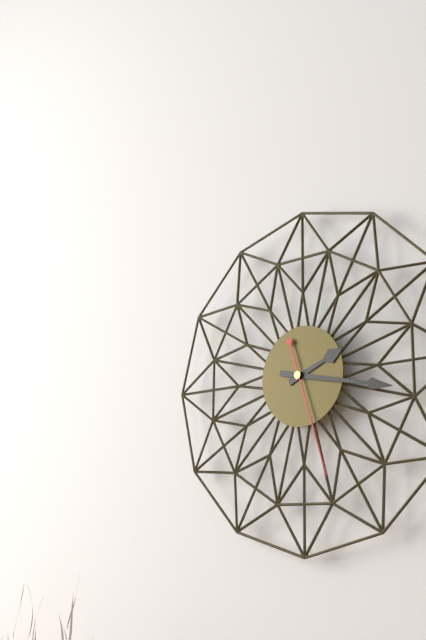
2:17:27
